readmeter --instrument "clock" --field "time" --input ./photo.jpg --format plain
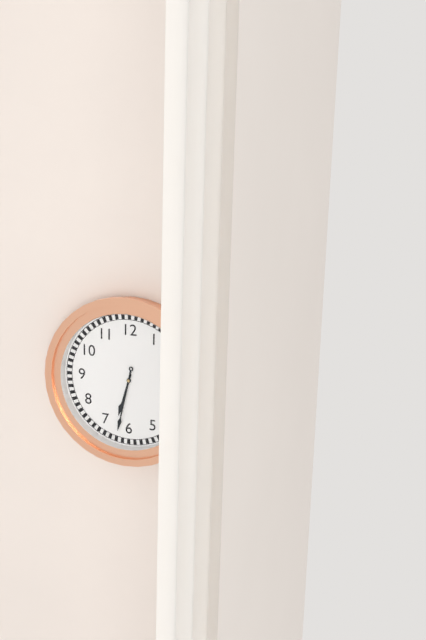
6:32
